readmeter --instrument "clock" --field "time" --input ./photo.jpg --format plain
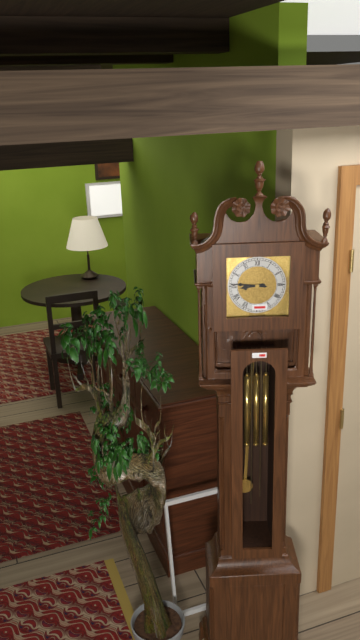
8:46
